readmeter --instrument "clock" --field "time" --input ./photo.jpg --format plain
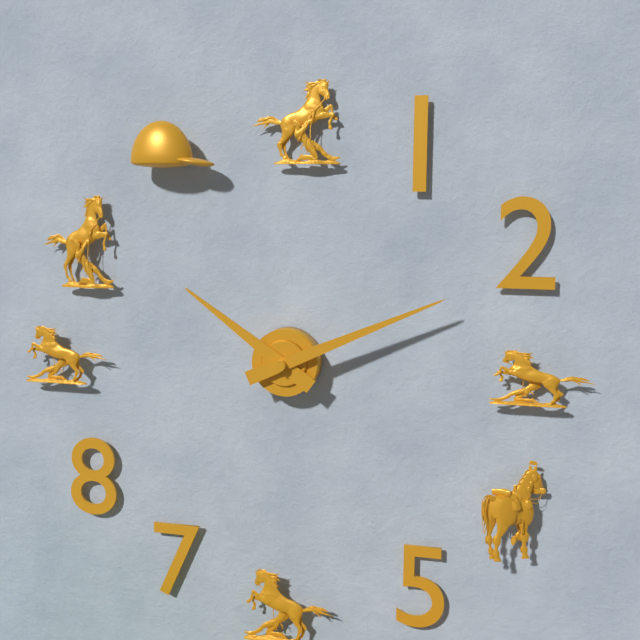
10:11
